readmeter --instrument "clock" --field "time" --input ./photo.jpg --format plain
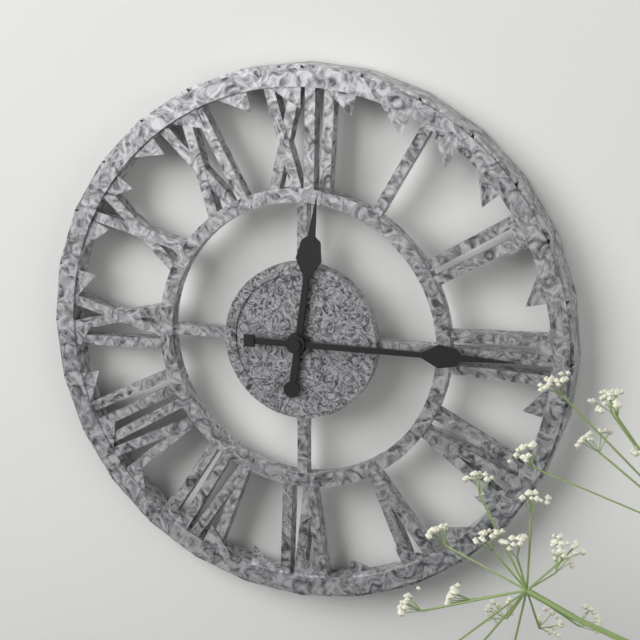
12:15
